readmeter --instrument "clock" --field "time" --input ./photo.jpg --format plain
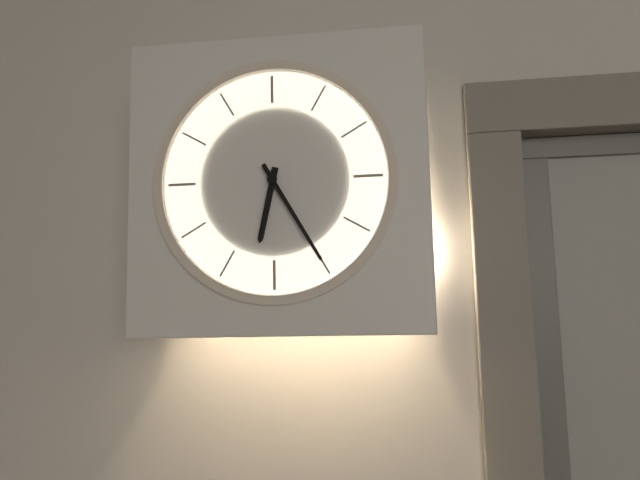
6:25
